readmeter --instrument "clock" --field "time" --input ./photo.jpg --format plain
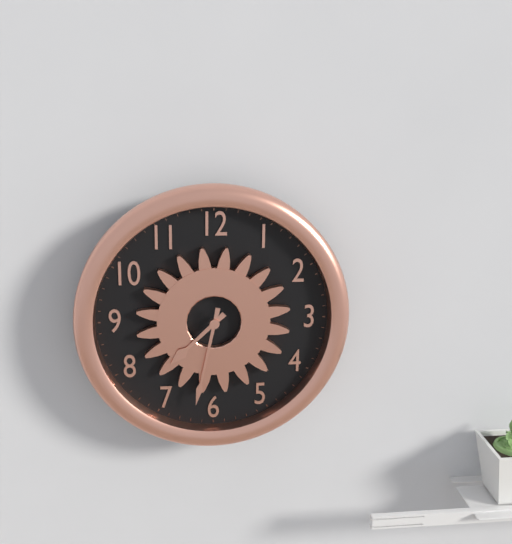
7:32
